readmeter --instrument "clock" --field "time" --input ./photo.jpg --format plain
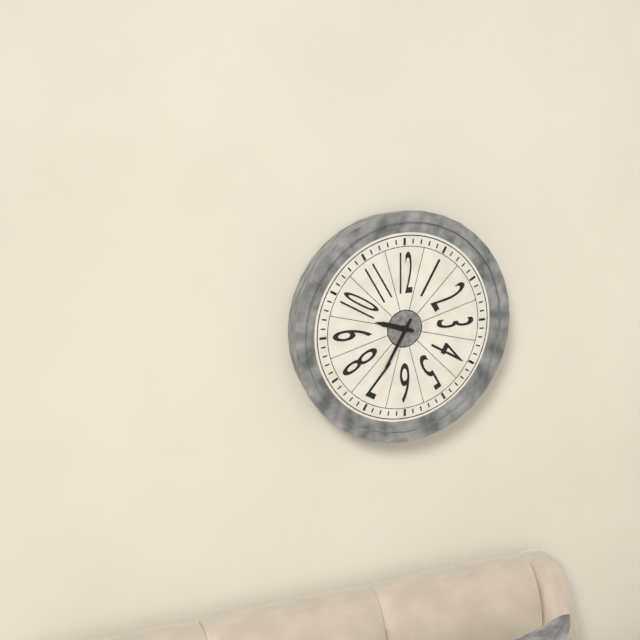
9:35
